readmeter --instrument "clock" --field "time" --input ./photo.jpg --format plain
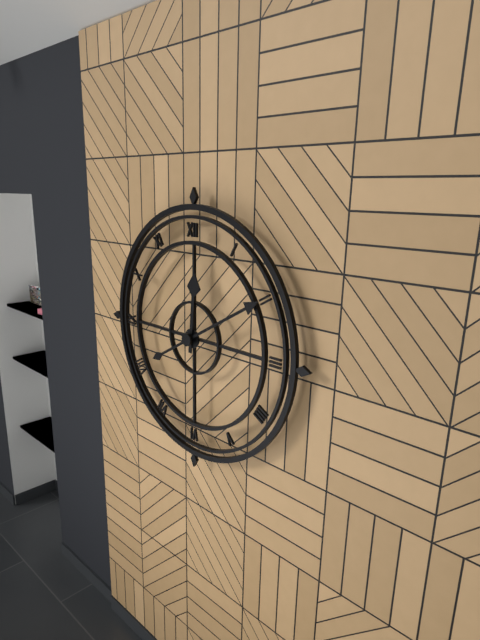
12:10
